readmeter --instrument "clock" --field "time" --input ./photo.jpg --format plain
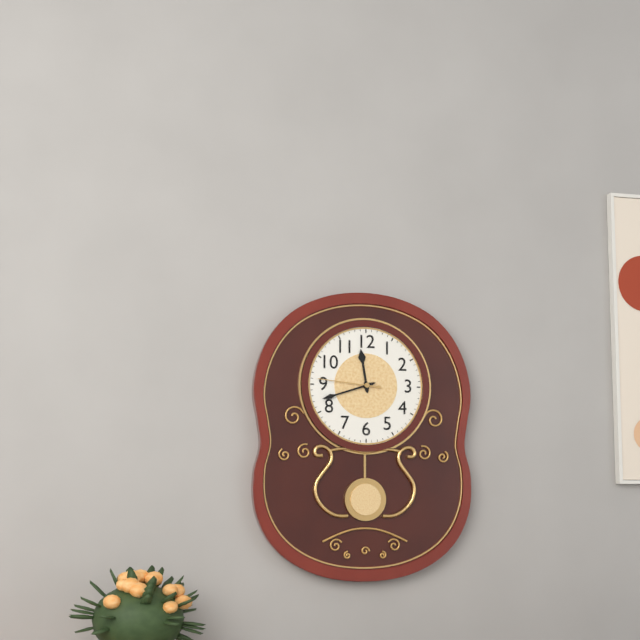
11:42:46
